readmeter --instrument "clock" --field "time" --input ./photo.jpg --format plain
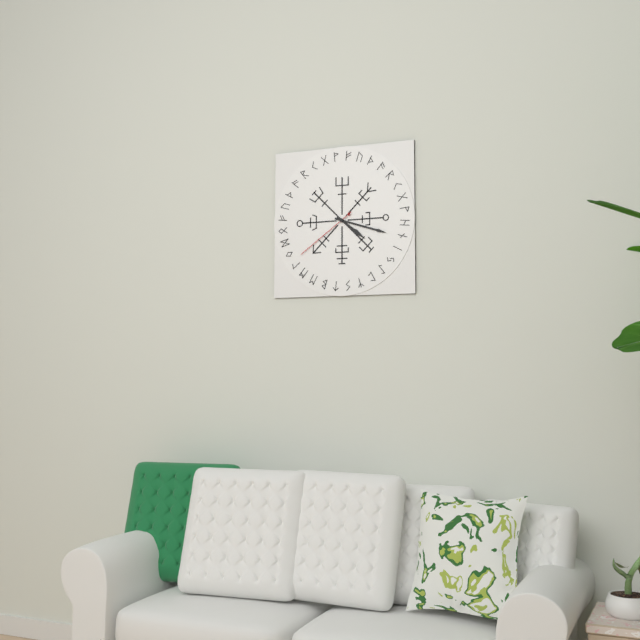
4:18:39
